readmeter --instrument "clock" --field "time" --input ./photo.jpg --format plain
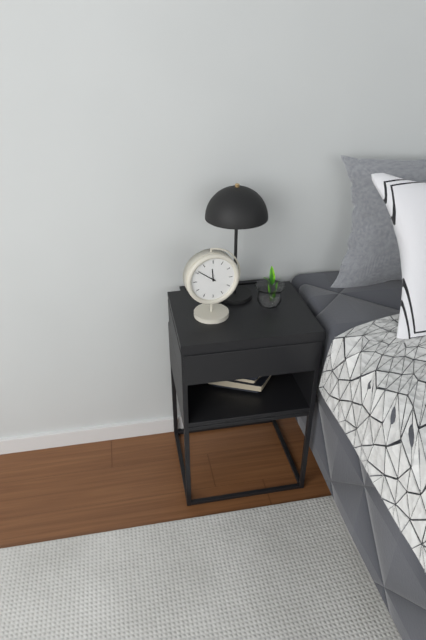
11:51
